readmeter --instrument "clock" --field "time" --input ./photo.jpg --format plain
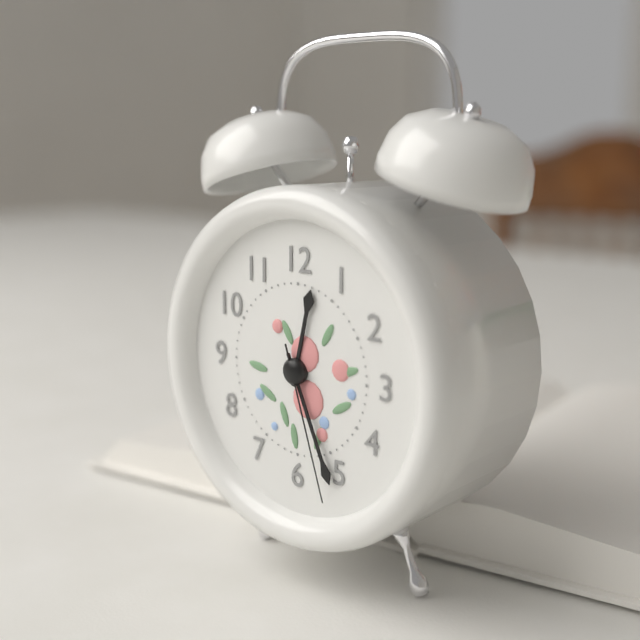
12:26:27
